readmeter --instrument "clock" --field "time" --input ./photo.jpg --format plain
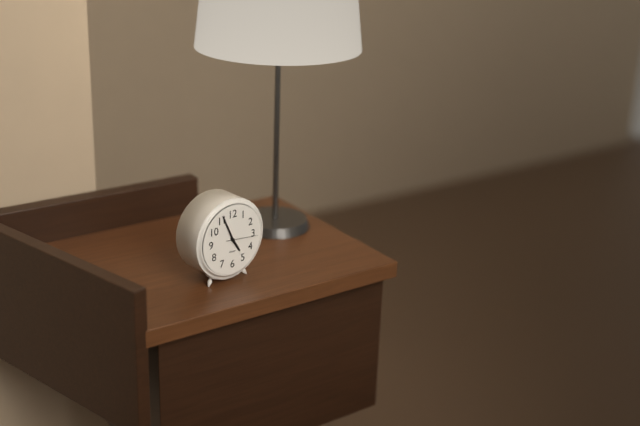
4:56
